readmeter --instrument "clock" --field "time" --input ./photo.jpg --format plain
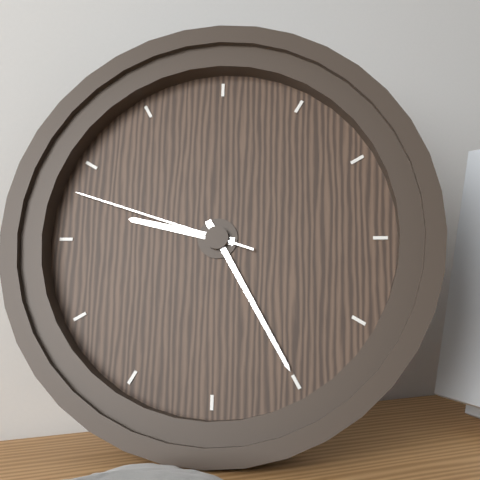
9:25:48
